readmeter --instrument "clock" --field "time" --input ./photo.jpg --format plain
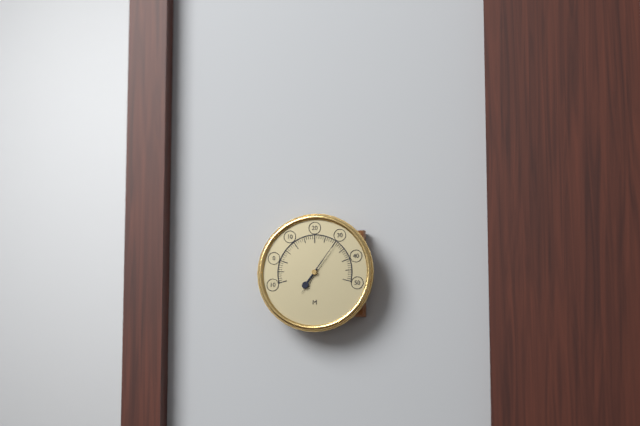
7:06
